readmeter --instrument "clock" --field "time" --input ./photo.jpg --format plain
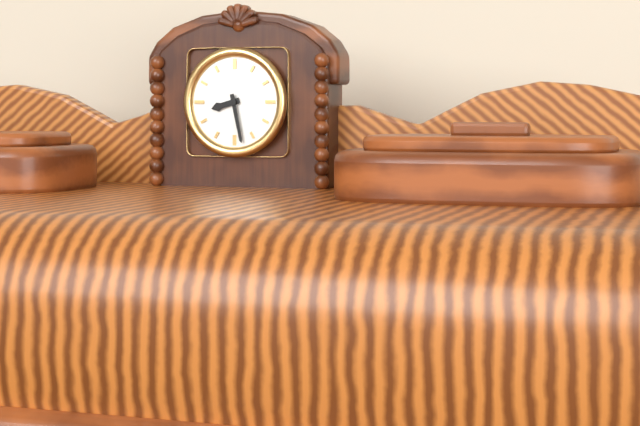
8:28
